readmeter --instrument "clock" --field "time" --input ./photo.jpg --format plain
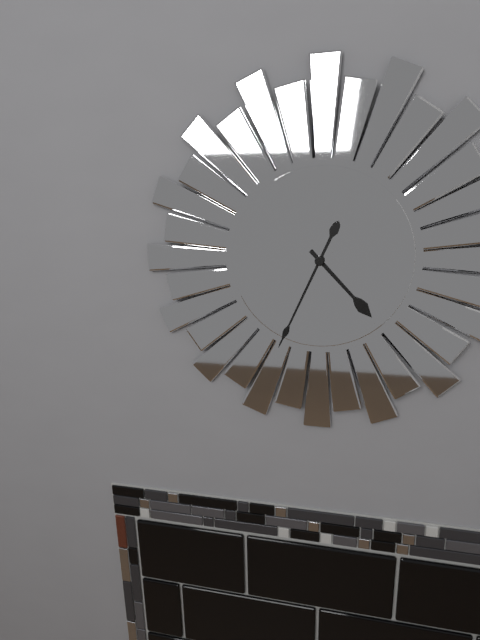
4:34
